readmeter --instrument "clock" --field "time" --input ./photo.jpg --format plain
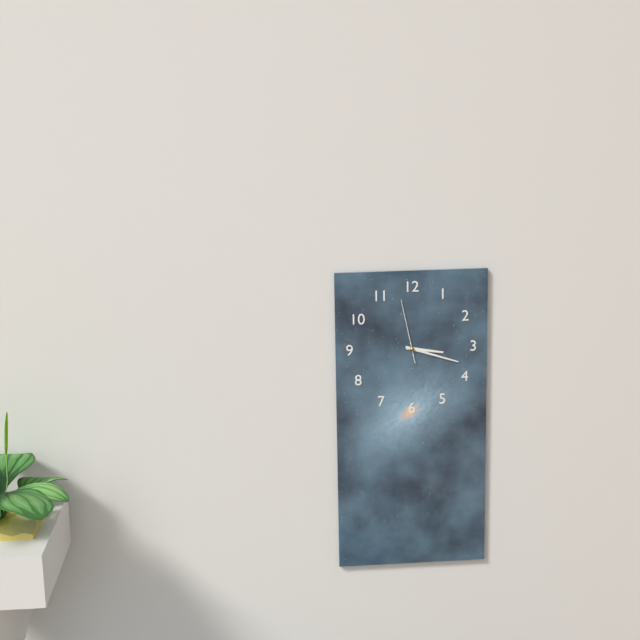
3:18:58
